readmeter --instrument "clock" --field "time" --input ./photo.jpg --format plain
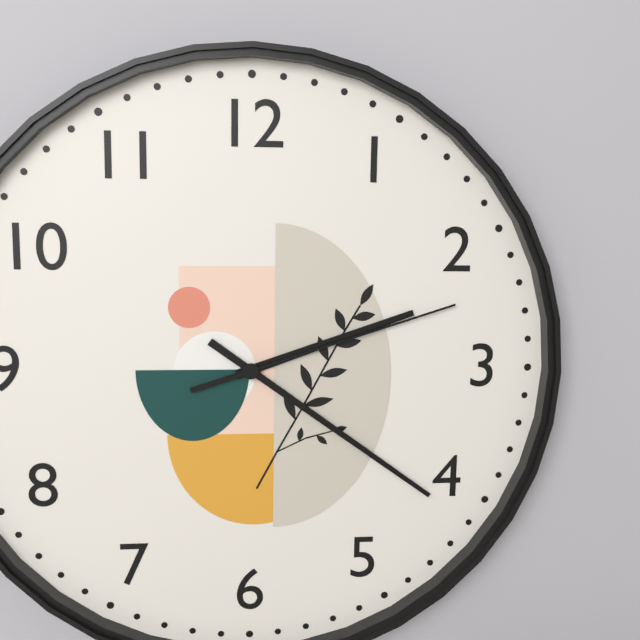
2:21:12
